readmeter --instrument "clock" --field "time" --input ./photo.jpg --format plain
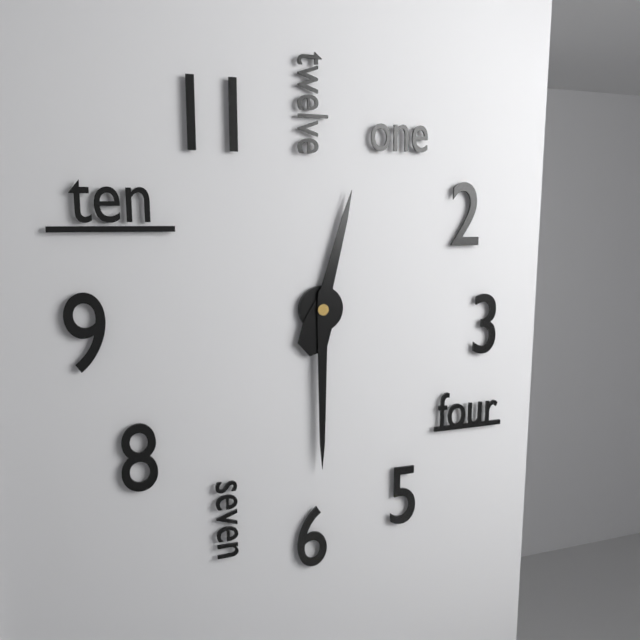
12:30
